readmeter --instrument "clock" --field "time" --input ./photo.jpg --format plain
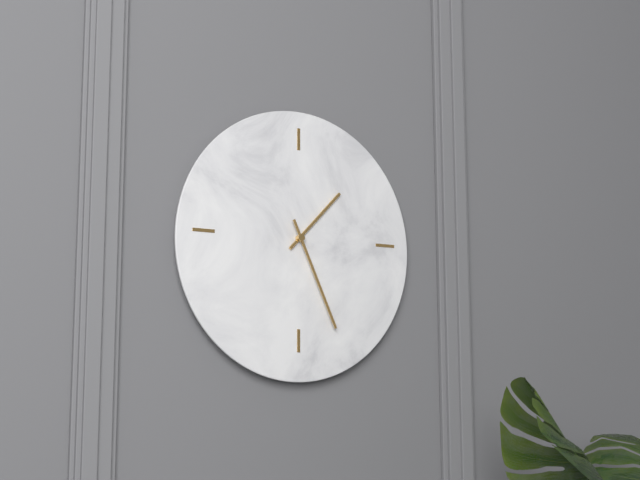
1:26
